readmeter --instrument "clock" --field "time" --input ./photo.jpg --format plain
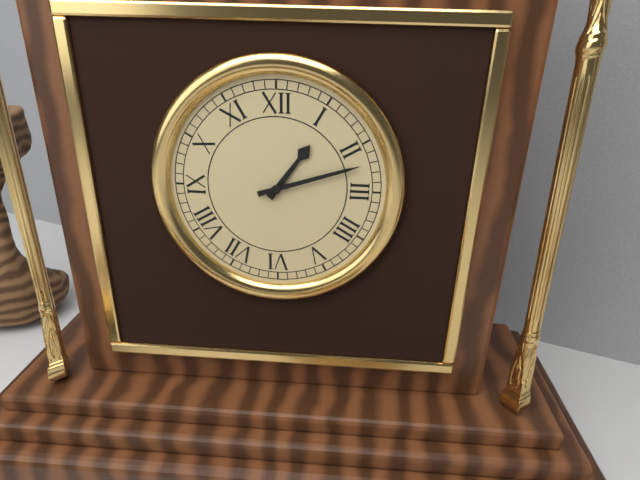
1:12
